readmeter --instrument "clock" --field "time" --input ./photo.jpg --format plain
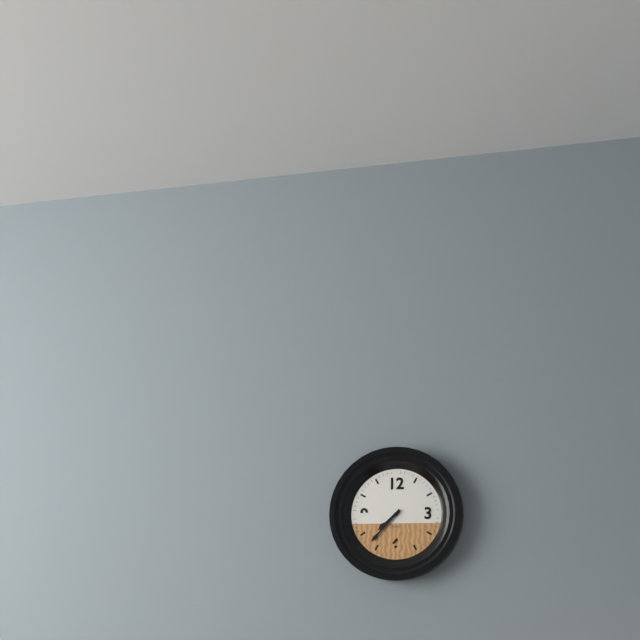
7:37
